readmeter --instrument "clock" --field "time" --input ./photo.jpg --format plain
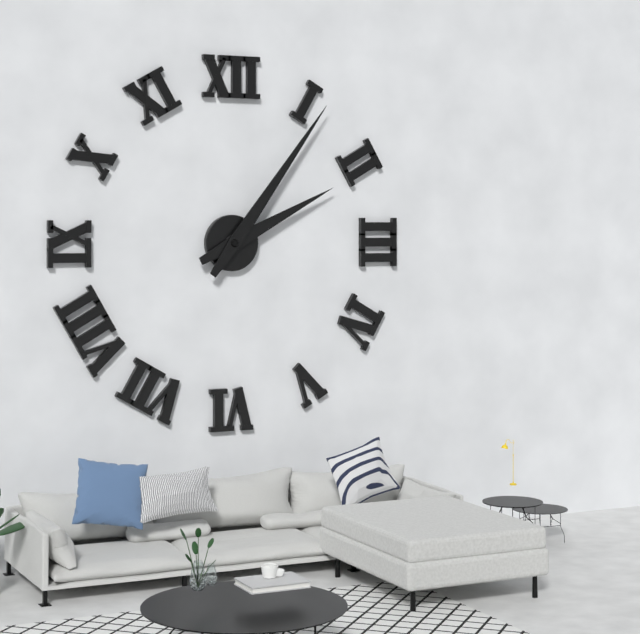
2:06
